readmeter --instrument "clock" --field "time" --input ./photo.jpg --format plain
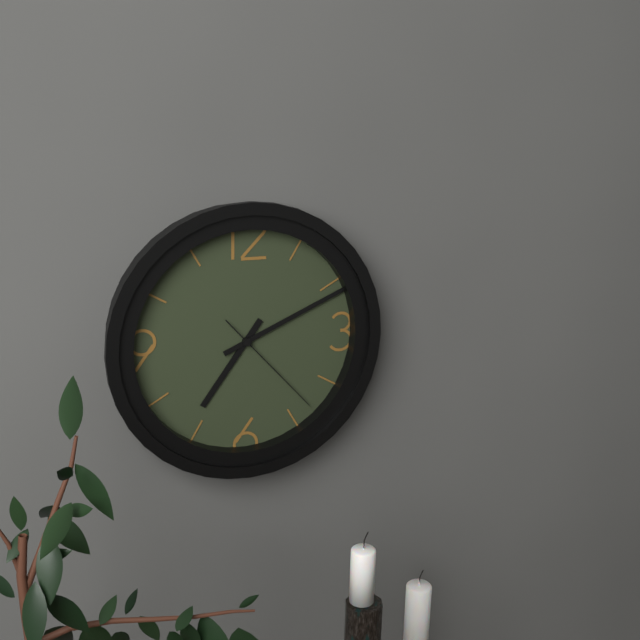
7:11:23
